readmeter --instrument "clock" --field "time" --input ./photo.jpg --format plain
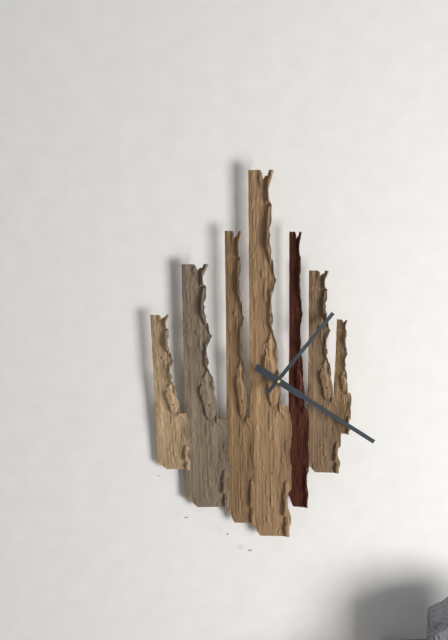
1:21
